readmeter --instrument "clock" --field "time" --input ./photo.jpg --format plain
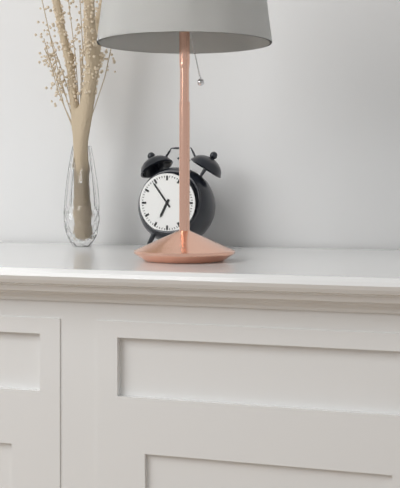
6:54
